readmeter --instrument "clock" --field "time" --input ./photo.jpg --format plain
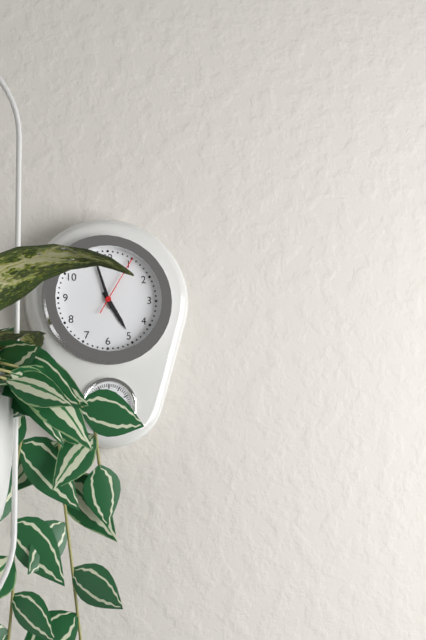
4:57:05
